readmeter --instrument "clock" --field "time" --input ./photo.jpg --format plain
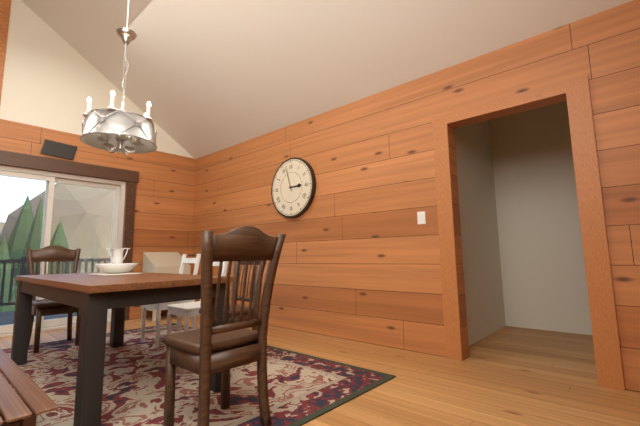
2:57
